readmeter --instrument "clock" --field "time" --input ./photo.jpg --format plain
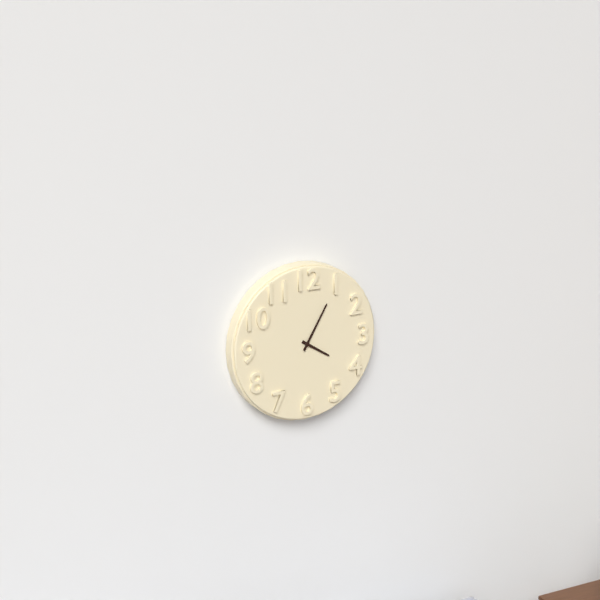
4:05
